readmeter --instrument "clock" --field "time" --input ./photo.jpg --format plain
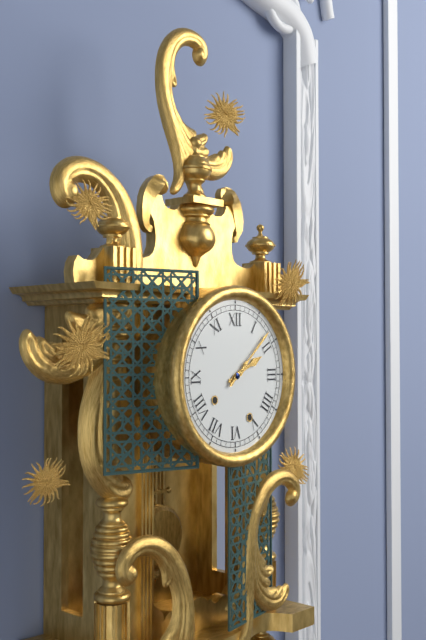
2:08
